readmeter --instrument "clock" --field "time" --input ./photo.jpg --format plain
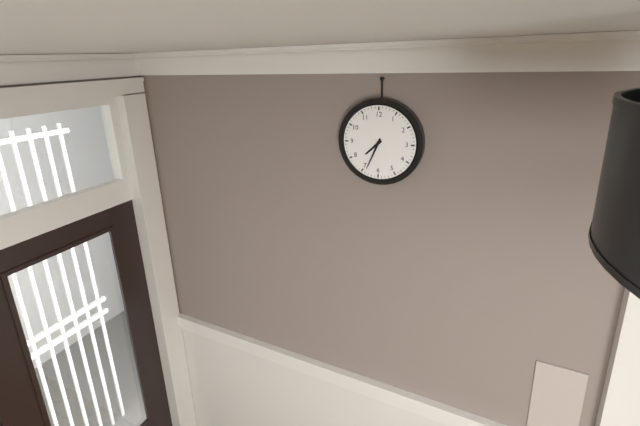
7:34
